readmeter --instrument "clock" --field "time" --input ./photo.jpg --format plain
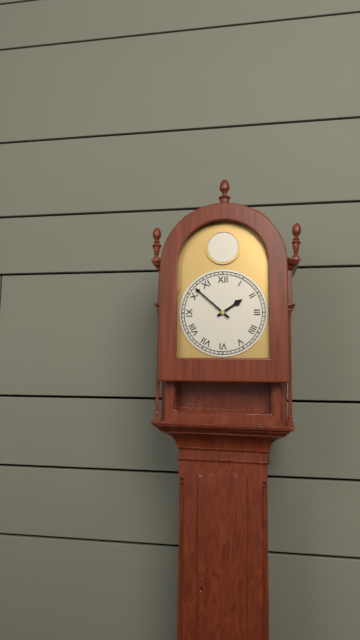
1:52
